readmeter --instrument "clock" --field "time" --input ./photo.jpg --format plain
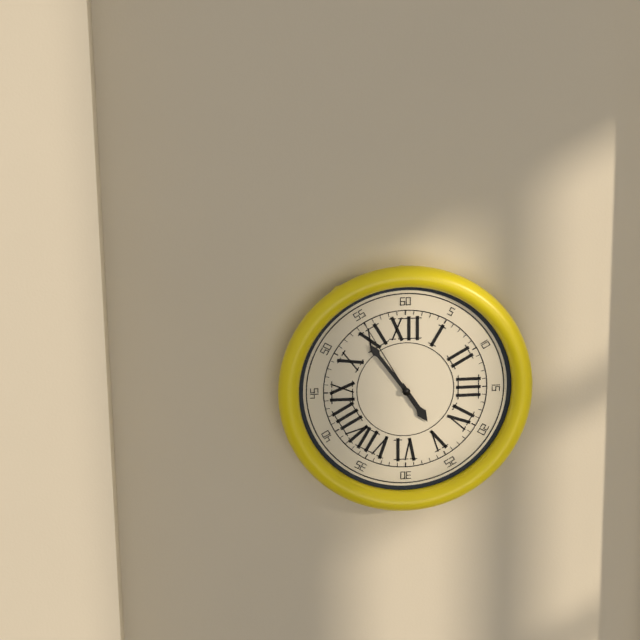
4:54:55
